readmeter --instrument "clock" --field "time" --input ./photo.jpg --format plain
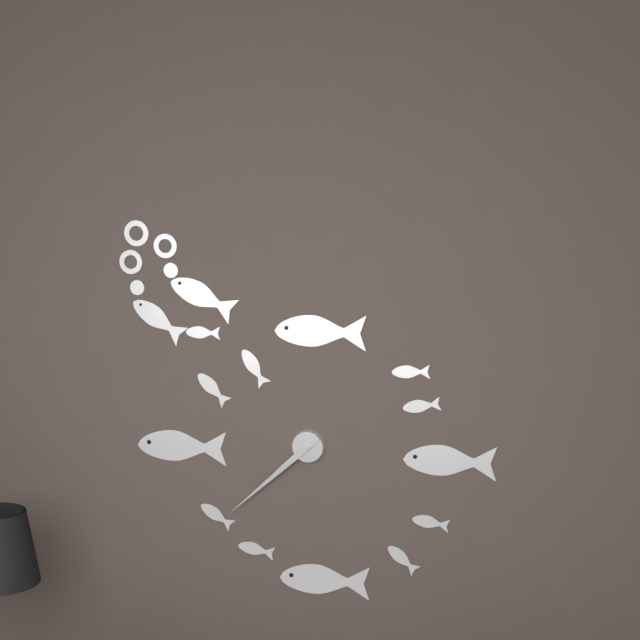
7:38
